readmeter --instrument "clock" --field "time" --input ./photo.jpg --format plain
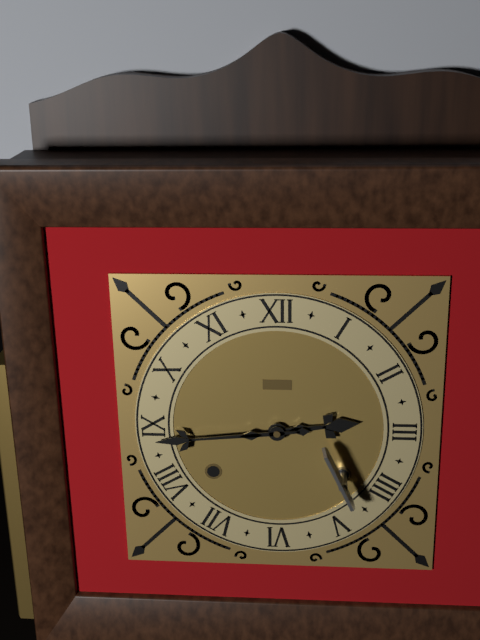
2:44
